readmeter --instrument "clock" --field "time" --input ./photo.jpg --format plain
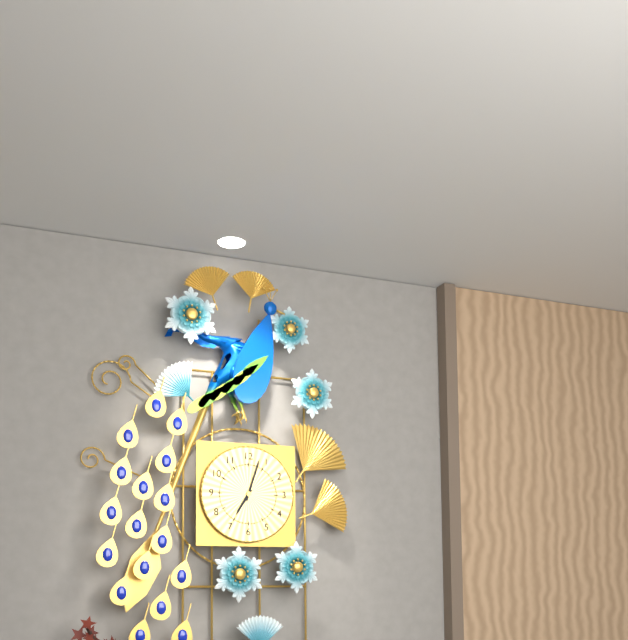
7:03
